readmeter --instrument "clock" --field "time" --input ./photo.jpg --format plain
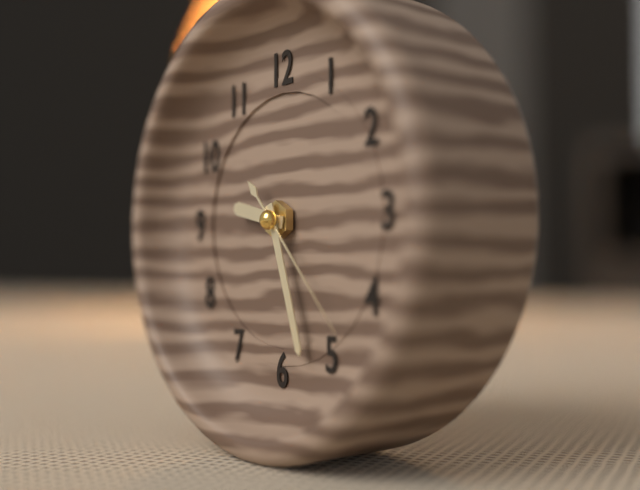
9:27:23
